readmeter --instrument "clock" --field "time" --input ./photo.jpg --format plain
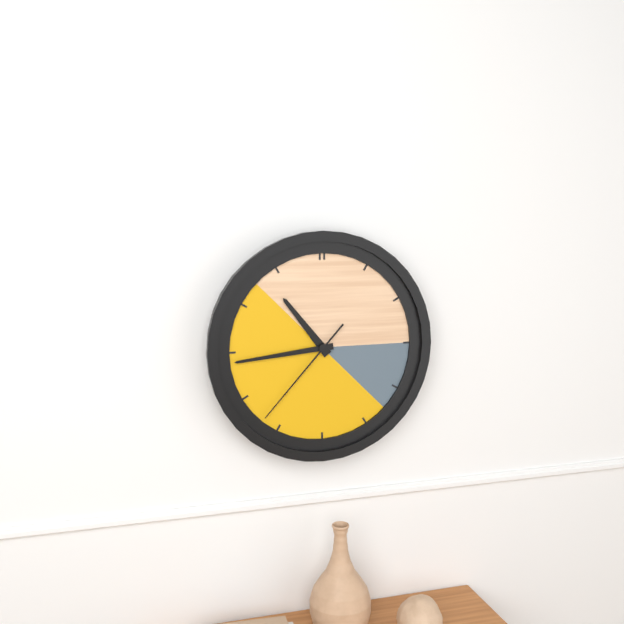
10:44:37
